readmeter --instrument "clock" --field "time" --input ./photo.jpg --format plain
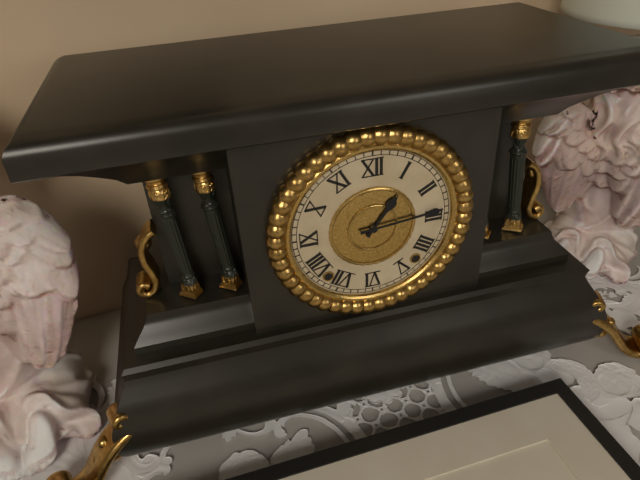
1:14
